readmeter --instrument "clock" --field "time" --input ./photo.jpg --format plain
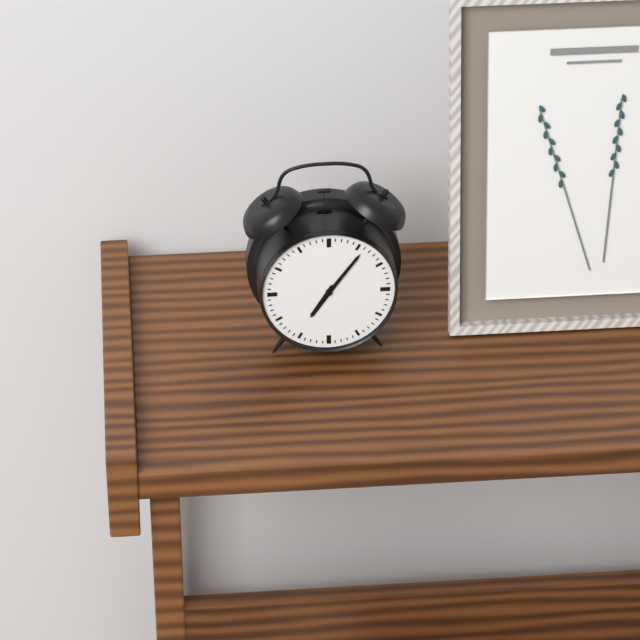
7:06
